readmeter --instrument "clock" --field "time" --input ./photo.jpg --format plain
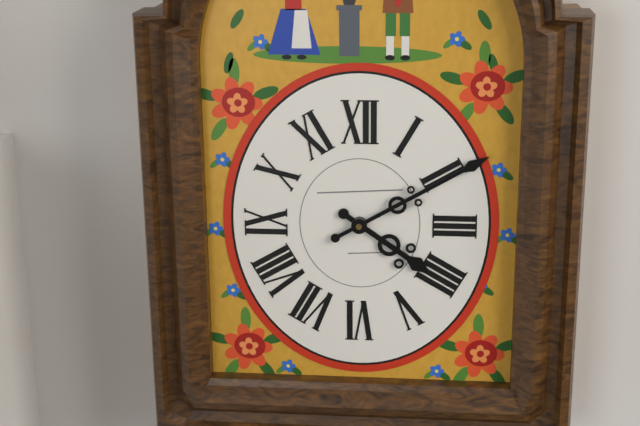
4:10
